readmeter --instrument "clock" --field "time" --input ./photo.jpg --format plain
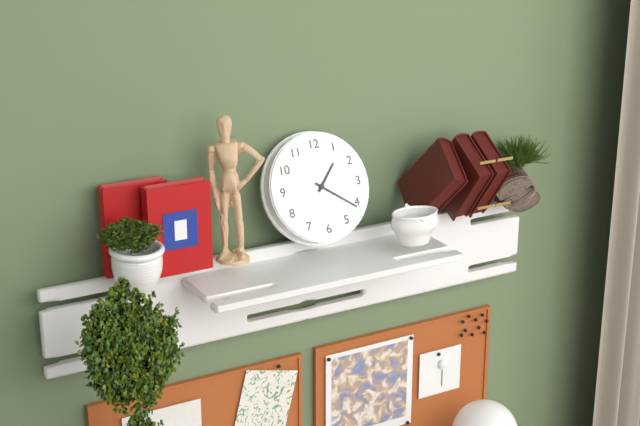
1:21
